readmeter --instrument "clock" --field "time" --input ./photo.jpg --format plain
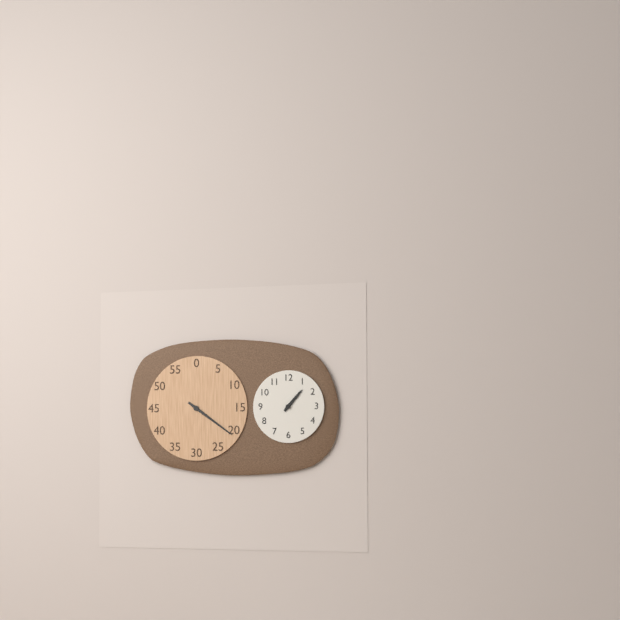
1:21
